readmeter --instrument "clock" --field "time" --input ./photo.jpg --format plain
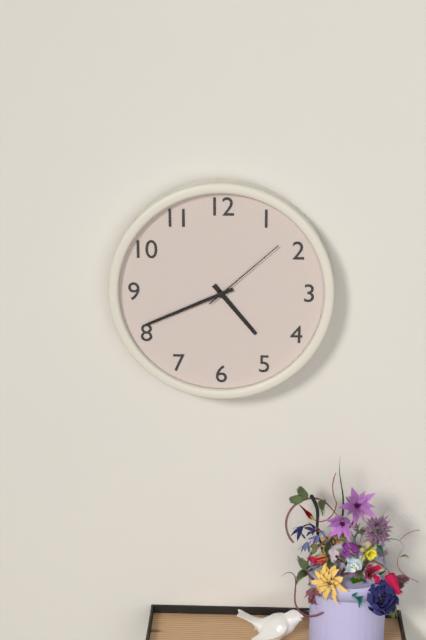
4:41:08
